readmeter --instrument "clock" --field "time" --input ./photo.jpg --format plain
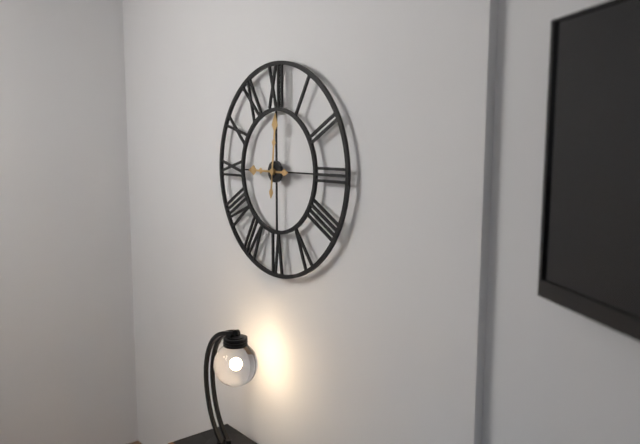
9:01
